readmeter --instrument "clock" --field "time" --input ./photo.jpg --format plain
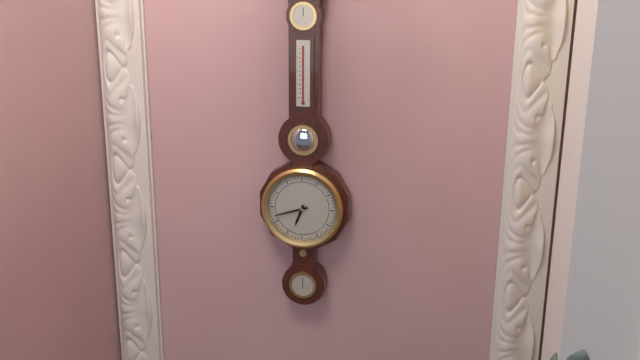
6:42
